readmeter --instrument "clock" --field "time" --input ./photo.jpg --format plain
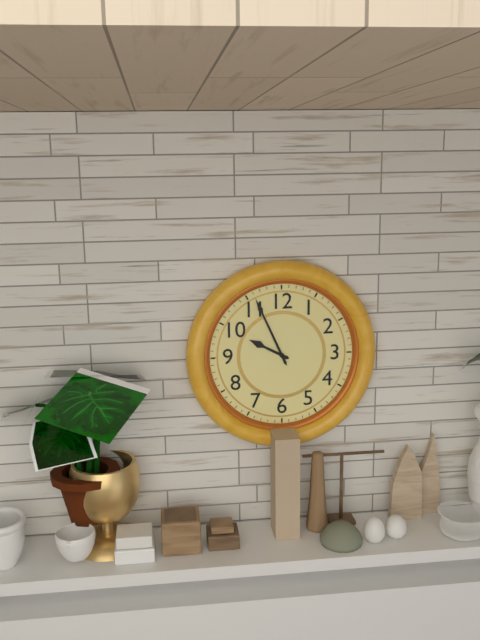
9:56
